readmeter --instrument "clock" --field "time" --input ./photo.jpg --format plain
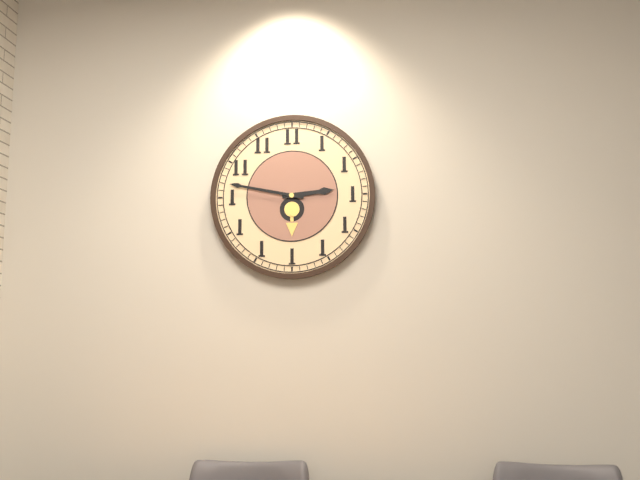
2:47
